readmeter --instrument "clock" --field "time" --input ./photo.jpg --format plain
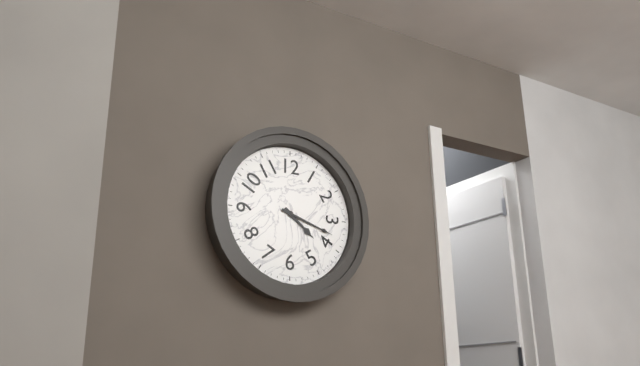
4:18
